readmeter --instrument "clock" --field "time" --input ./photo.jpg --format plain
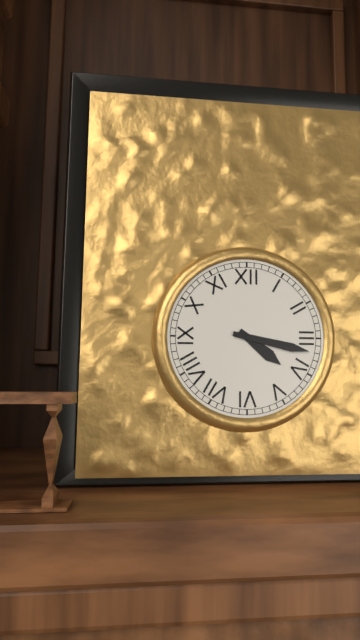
4:17
